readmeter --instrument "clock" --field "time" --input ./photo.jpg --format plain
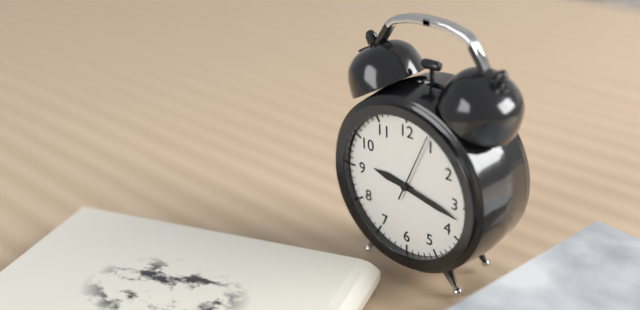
9:17:04
